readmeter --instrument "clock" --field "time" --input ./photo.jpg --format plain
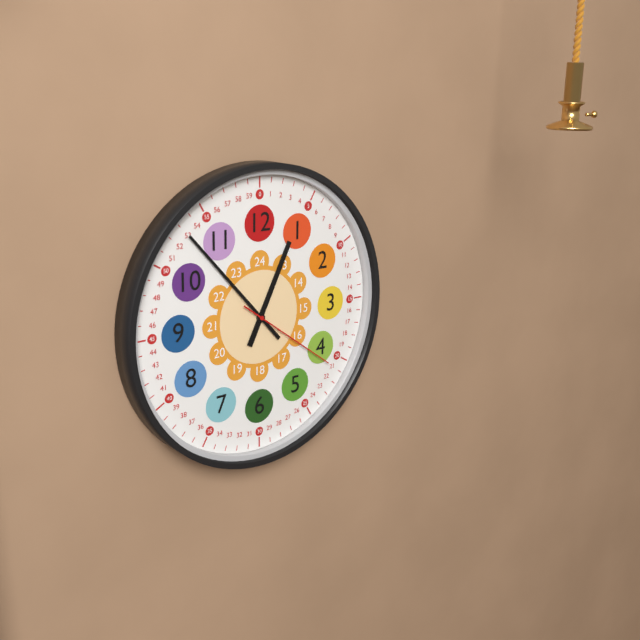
12:53:21
